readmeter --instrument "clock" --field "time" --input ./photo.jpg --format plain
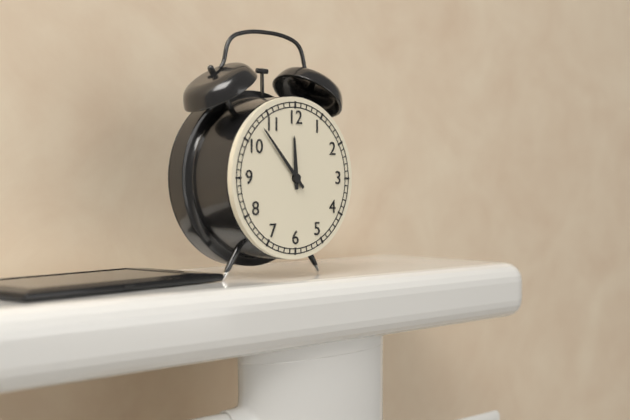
11:53
